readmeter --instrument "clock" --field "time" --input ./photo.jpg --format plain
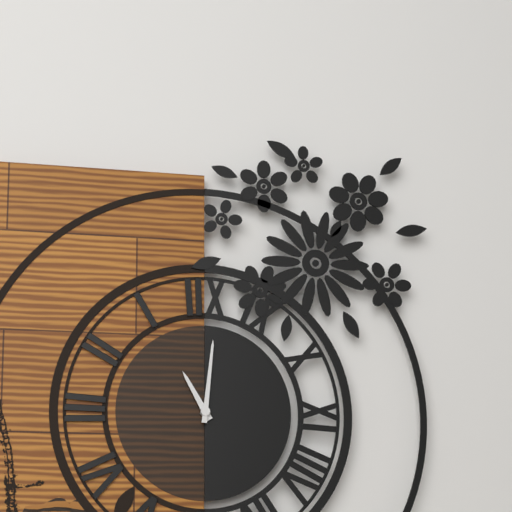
11:01
